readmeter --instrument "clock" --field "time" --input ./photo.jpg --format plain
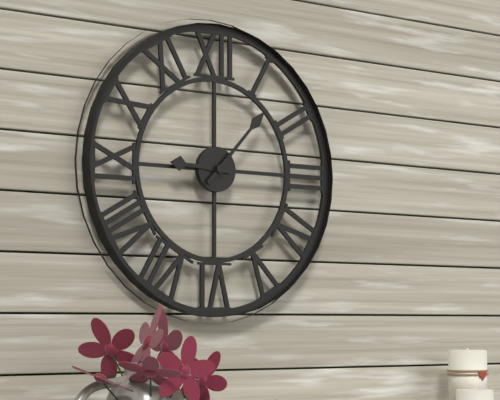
9:07
